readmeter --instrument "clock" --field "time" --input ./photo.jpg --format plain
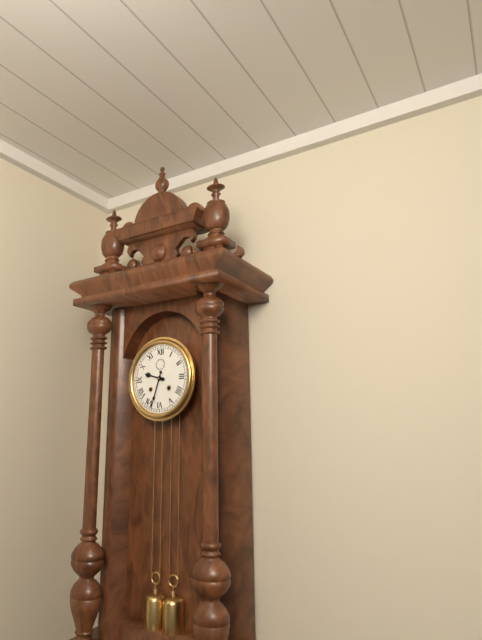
9:33
